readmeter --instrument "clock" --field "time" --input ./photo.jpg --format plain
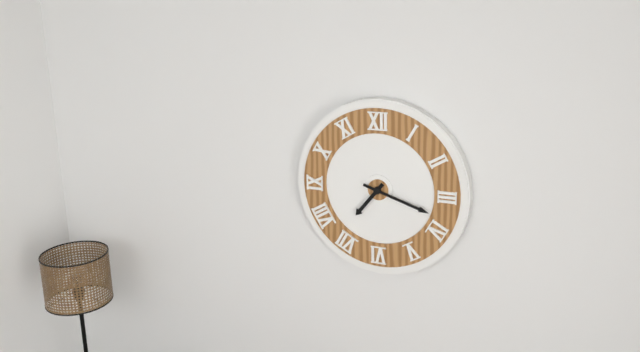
7:18
